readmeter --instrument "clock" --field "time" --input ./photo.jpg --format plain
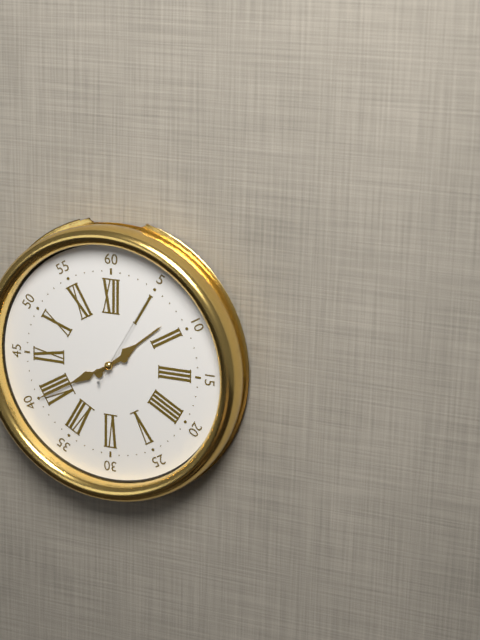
1:40:05
